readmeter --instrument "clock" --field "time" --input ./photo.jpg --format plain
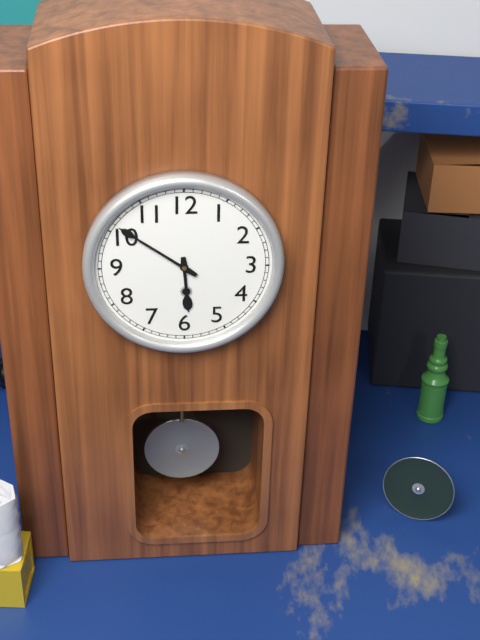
5:51
